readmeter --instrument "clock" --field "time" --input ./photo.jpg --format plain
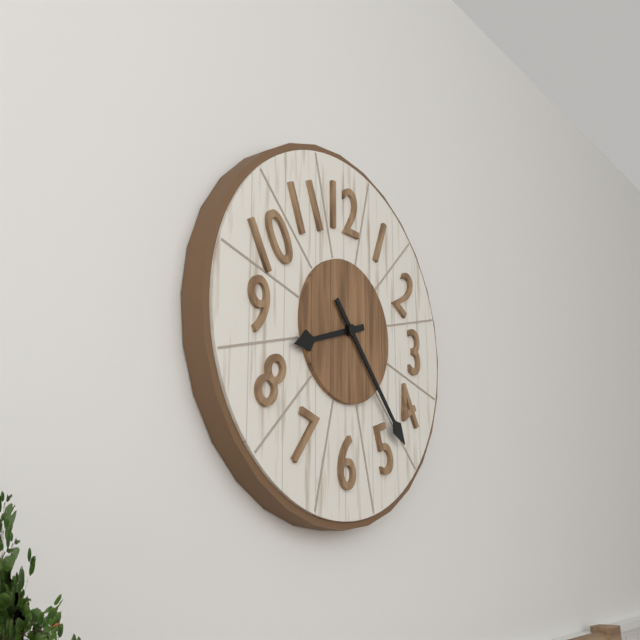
8:23
